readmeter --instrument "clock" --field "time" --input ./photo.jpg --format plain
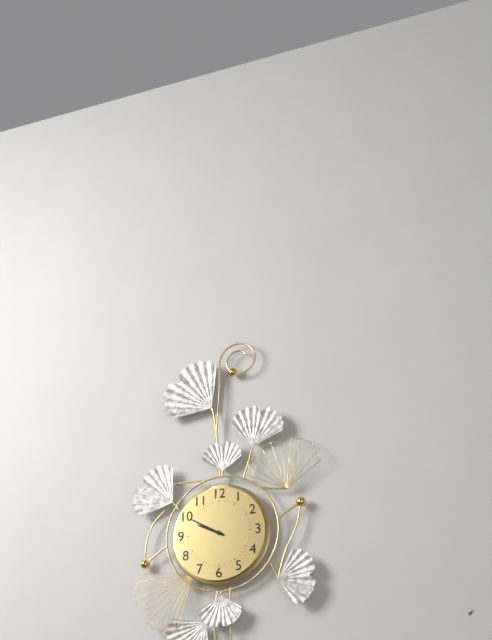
9:50
